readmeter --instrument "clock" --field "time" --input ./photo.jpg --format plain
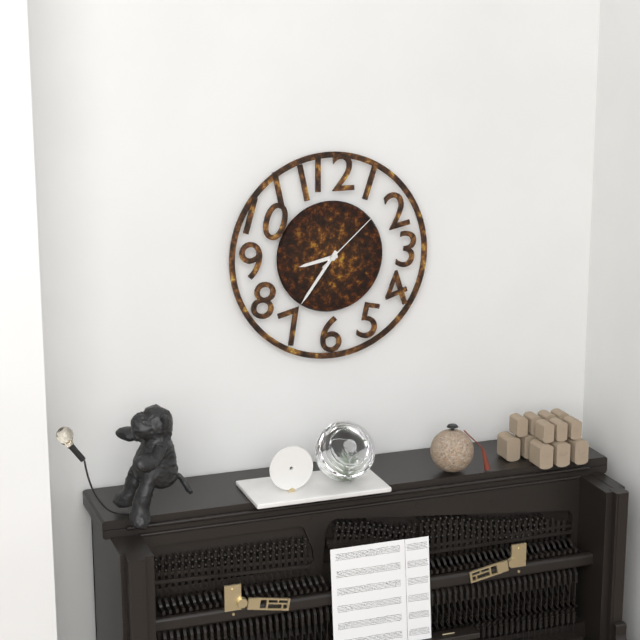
8:36:08
